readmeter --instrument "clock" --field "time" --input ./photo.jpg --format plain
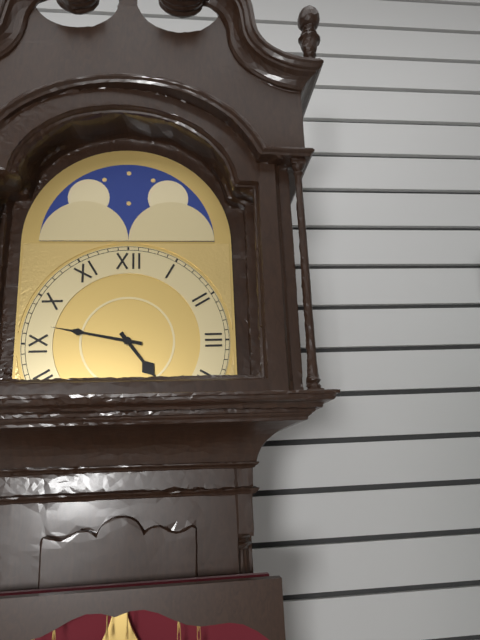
4:47
